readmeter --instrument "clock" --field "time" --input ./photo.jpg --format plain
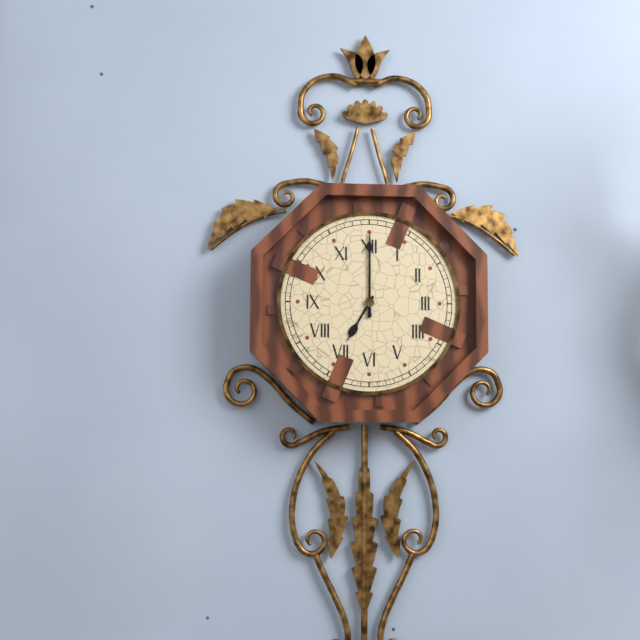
7:00
